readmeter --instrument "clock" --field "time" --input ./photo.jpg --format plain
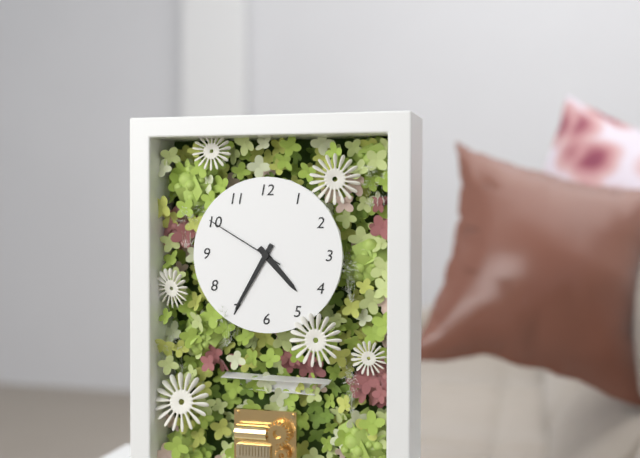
4:35:50
